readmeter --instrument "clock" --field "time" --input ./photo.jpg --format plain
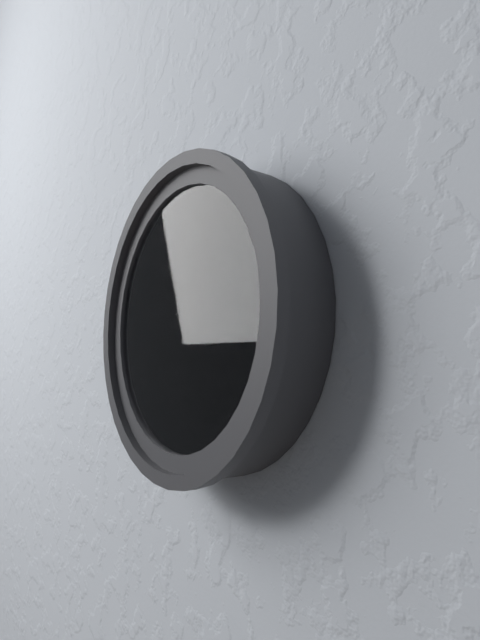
1:12:40
